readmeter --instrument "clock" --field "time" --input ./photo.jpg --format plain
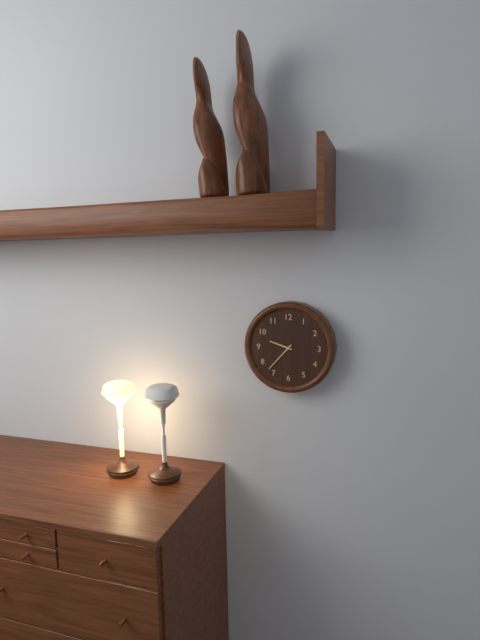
9:37
